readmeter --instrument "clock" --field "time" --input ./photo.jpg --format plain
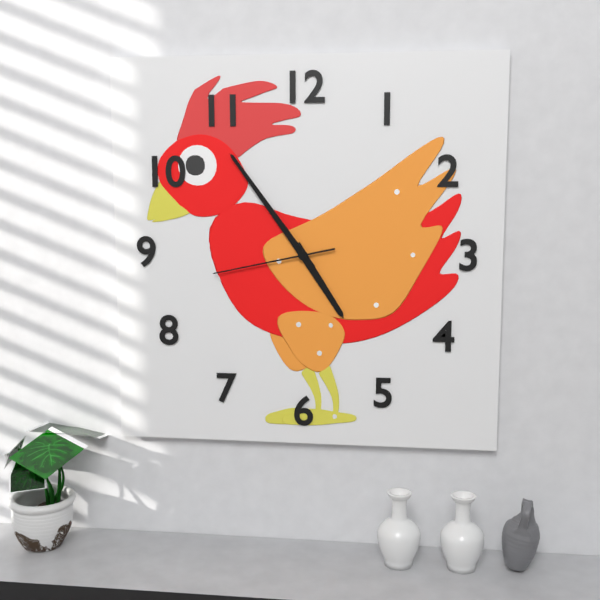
4:54:43
